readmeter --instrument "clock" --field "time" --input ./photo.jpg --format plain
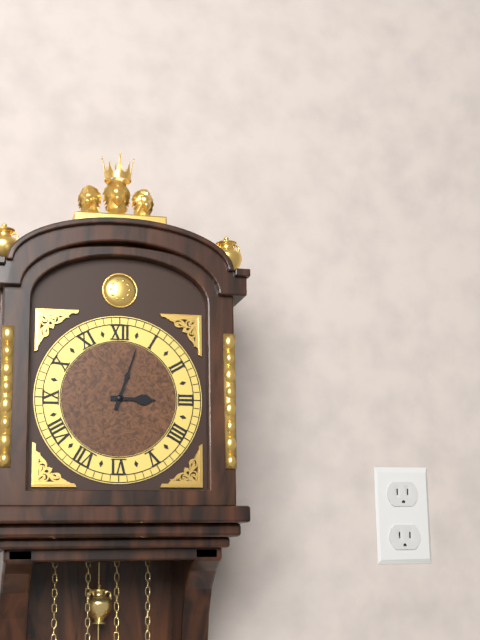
3:03
